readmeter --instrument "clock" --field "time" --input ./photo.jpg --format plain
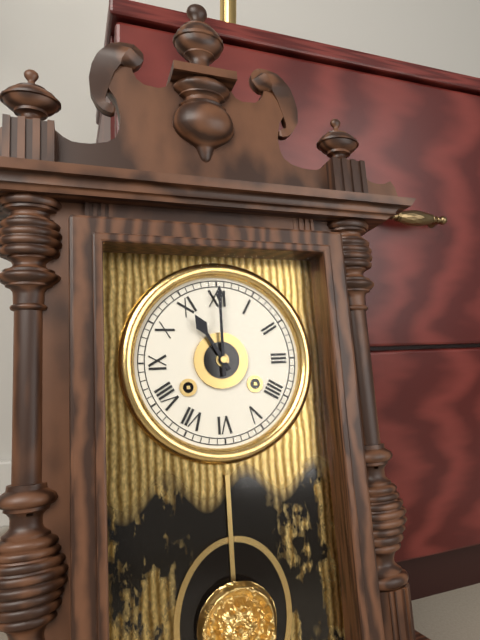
11:00
